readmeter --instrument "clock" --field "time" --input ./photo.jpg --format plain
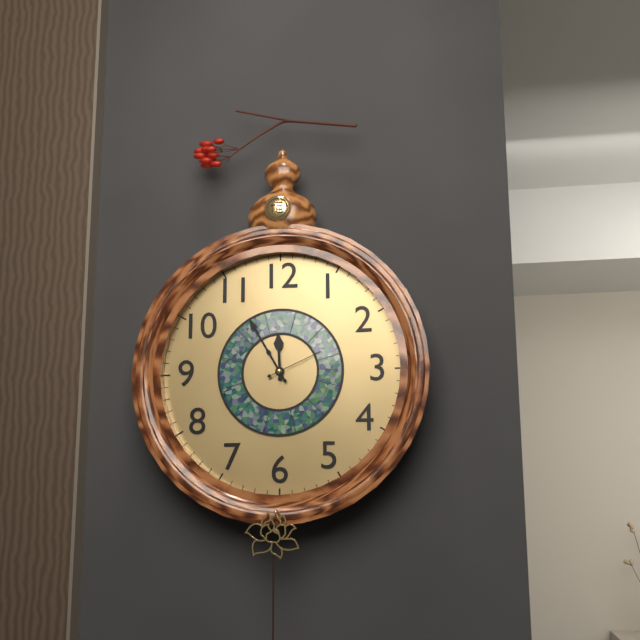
11:55:11
